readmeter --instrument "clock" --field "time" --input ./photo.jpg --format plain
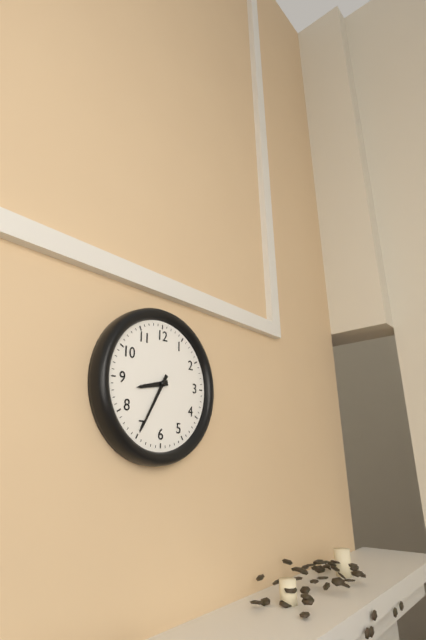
8:35
